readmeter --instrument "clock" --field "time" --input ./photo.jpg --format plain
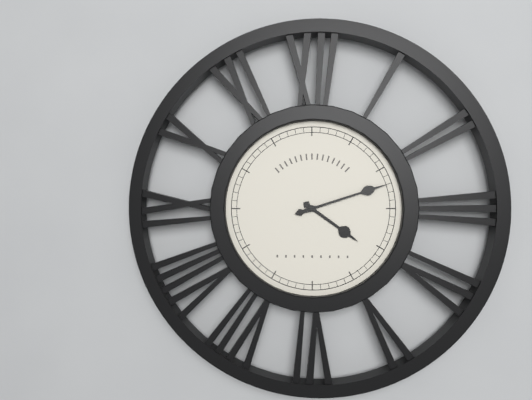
4:12
